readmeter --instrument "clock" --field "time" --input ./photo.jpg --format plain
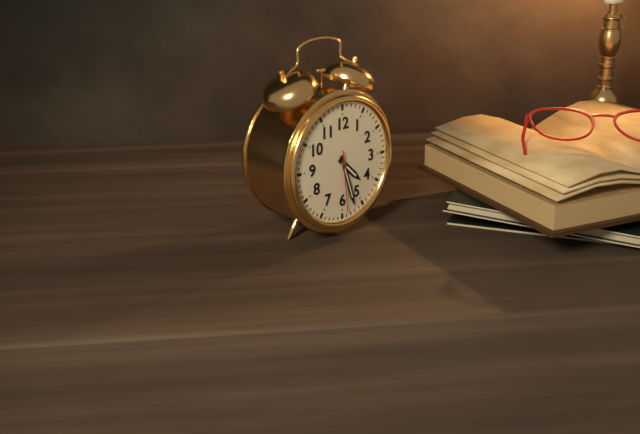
4:27:29
